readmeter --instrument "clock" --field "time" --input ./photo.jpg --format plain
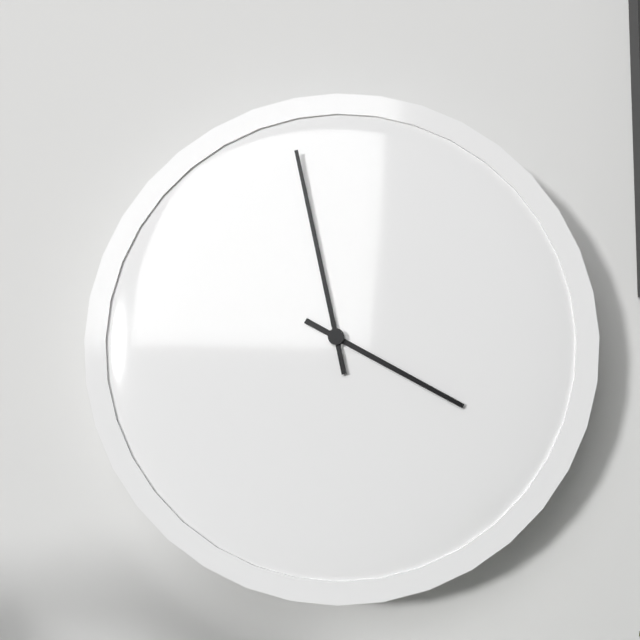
3:58
